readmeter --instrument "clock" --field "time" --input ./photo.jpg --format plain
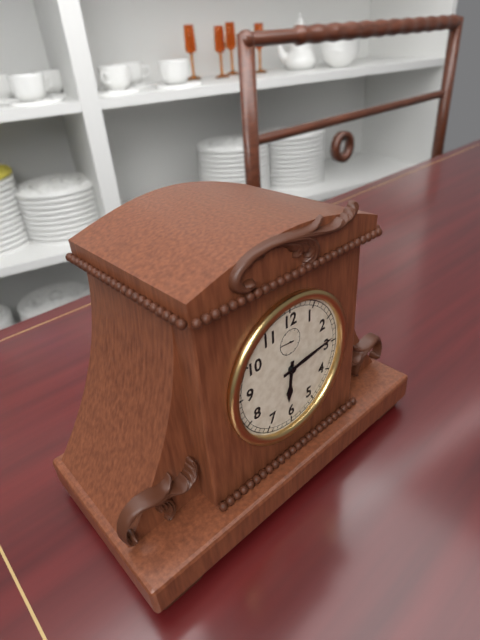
6:14
